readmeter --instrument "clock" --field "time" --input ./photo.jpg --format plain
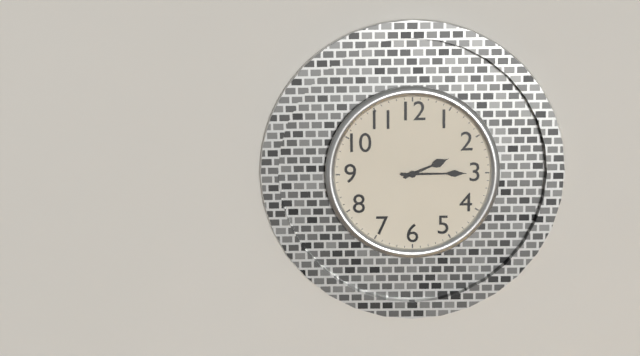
2:15
